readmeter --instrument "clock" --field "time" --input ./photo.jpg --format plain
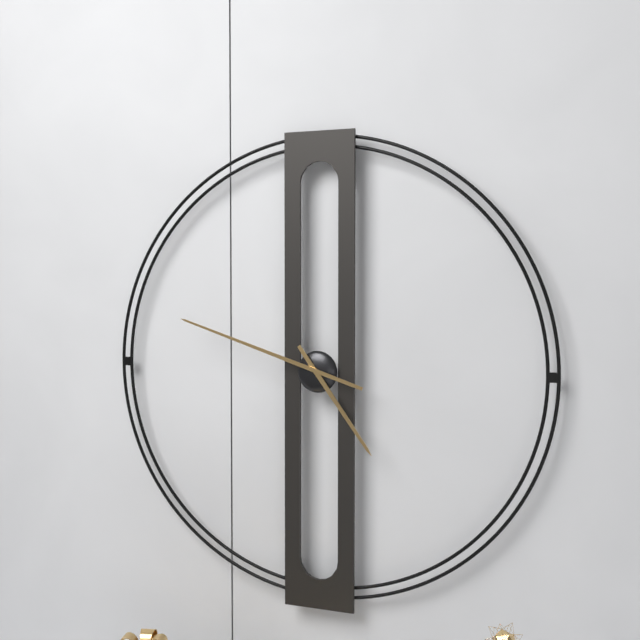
4:48
